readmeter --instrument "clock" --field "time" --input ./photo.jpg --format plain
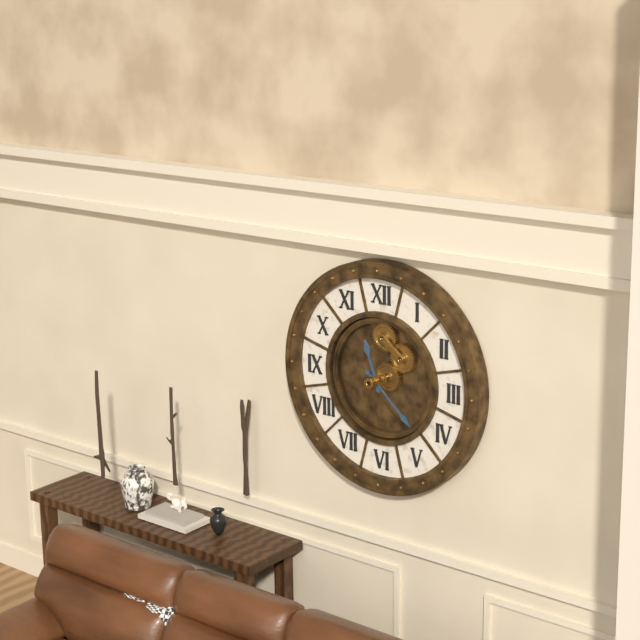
11:22
